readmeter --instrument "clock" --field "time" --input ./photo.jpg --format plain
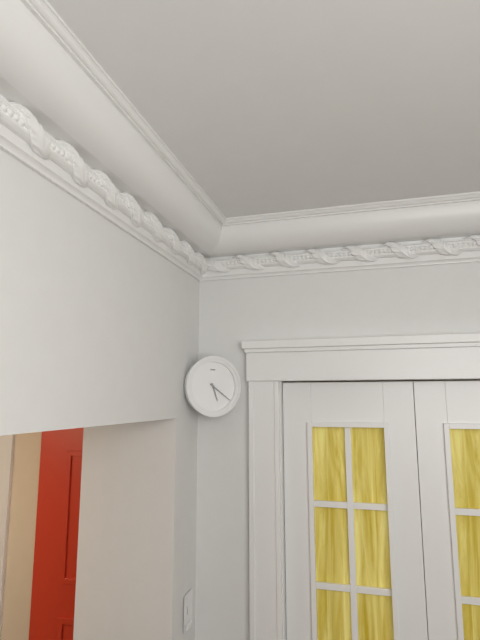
5:21
